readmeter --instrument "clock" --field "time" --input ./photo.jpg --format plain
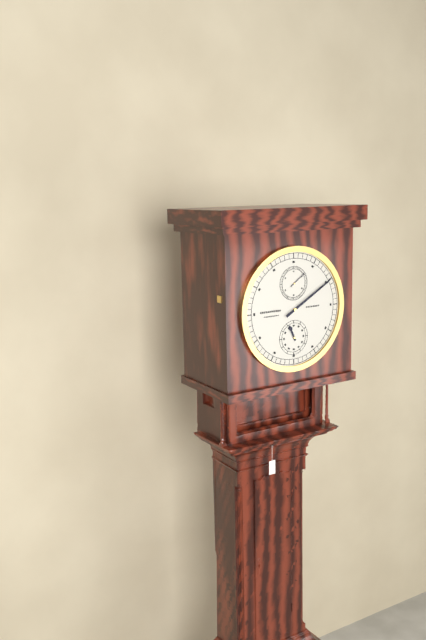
11:10
